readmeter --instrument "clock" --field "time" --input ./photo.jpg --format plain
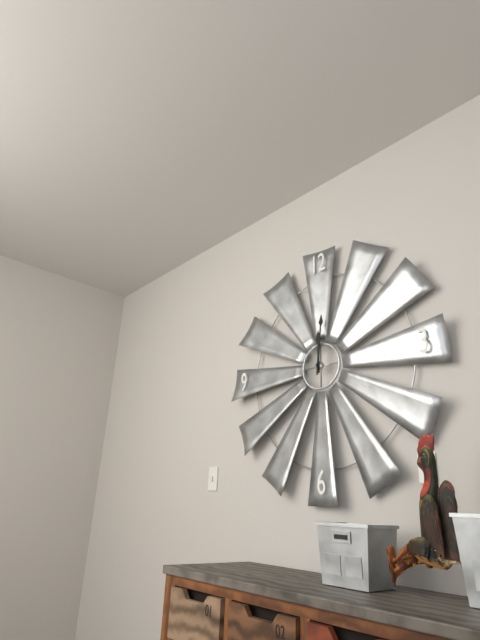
12:01
